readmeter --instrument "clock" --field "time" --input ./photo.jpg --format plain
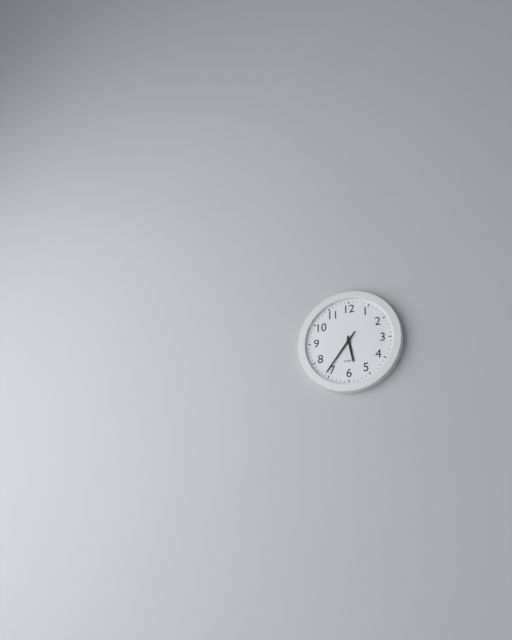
5:36
